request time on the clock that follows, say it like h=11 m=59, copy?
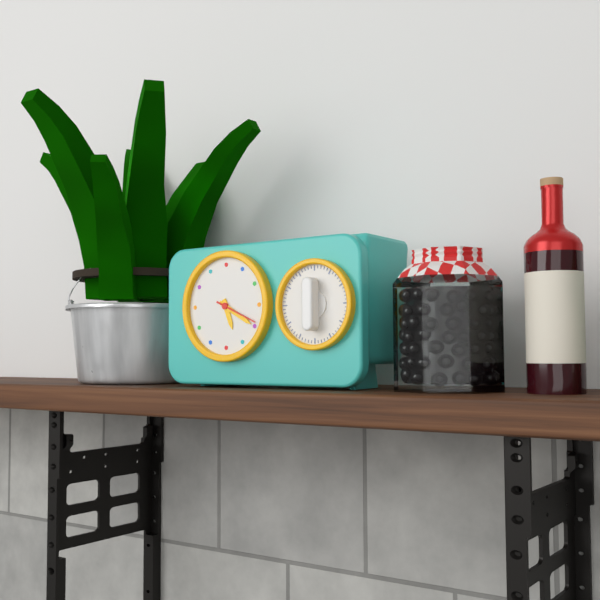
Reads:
h=5 m=20
